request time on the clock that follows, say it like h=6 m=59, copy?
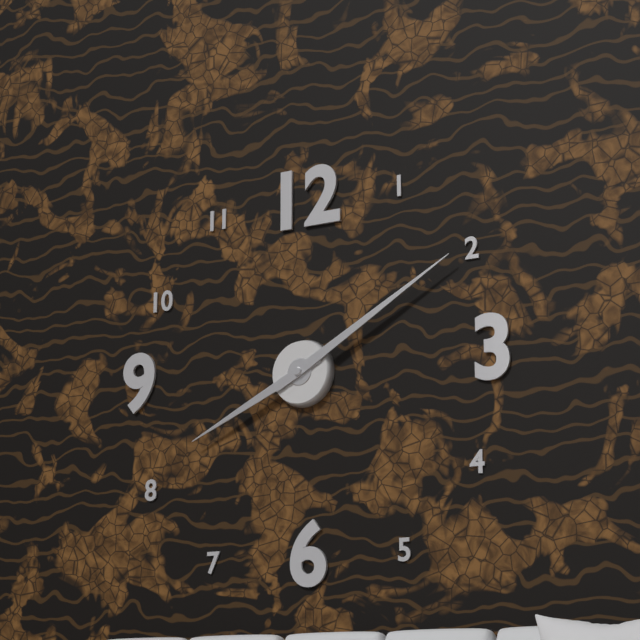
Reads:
h=8 m=10
